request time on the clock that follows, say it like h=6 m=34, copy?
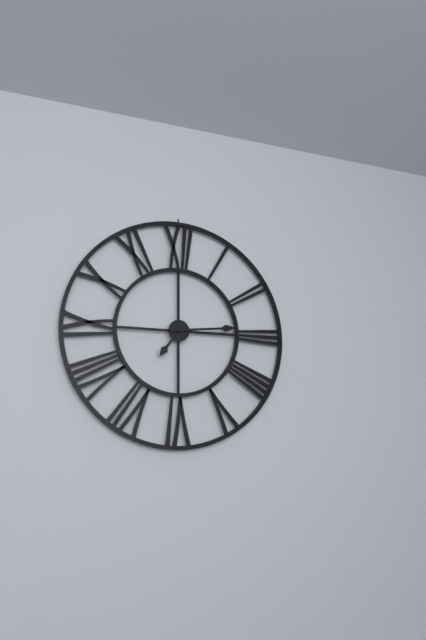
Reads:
h=7 m=14
